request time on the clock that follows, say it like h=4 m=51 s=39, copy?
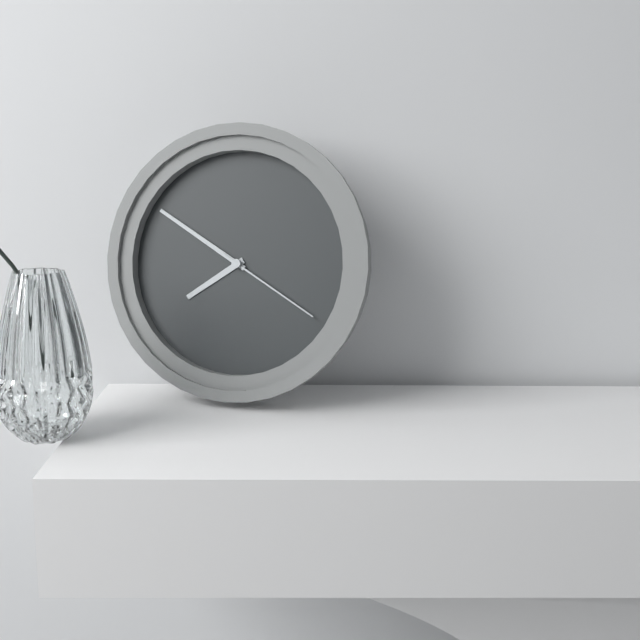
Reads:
h=7 m=50 s=20
